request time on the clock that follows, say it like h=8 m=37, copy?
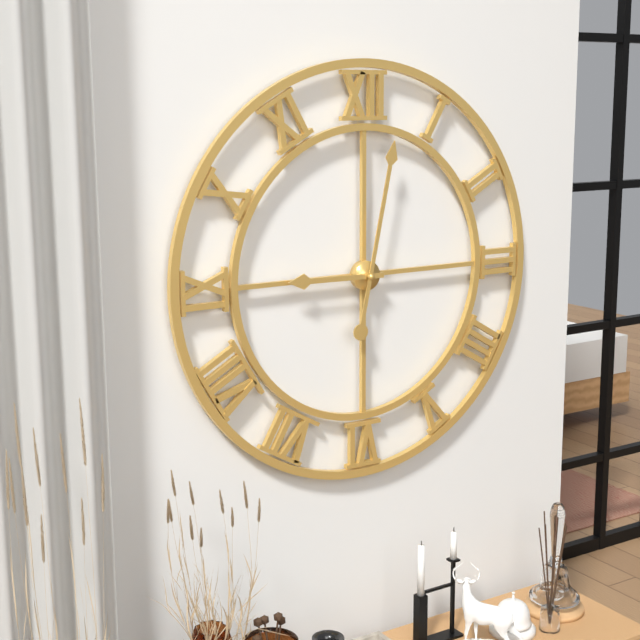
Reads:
h=9 m=2
